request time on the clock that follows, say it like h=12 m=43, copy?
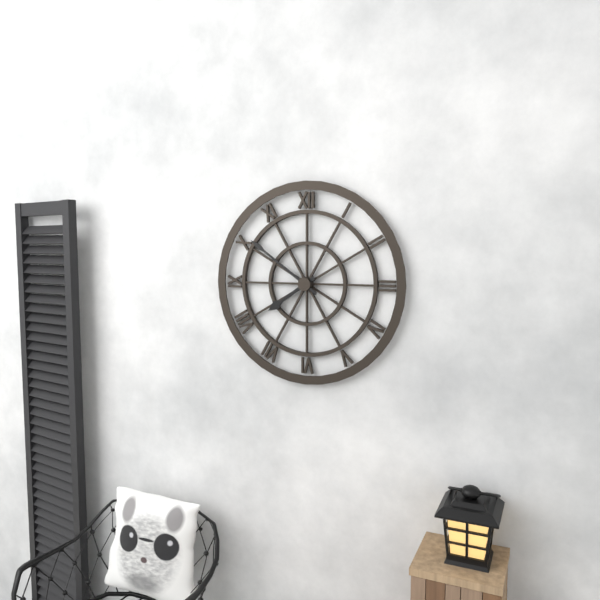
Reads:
h=7 m=51
